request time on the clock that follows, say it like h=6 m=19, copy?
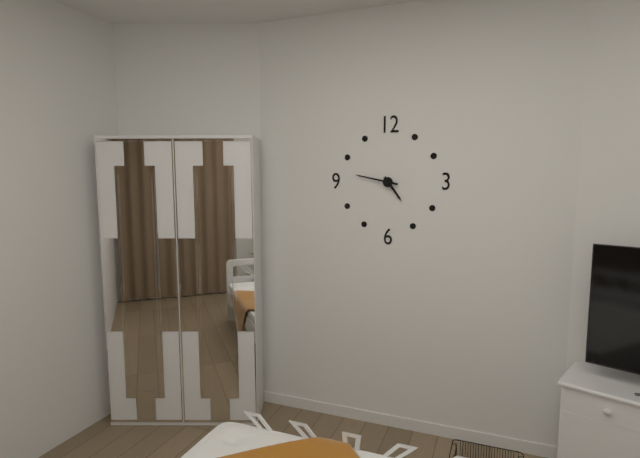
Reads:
h=4 m=47
